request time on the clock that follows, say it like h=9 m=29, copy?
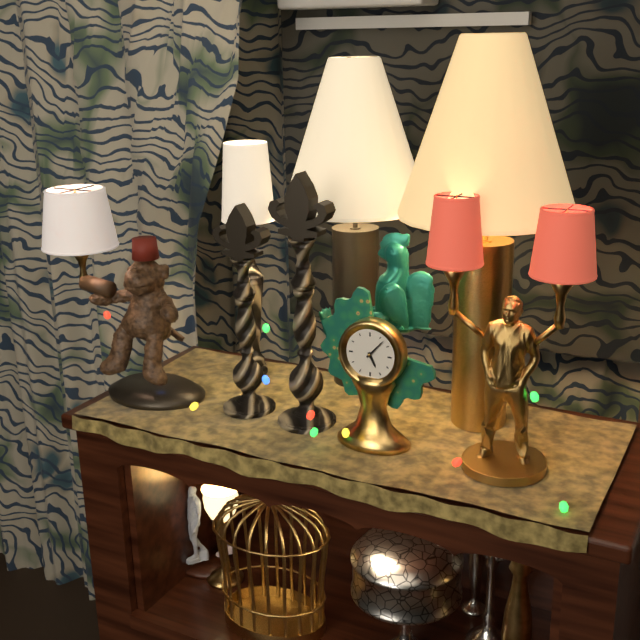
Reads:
h=5 m=7
